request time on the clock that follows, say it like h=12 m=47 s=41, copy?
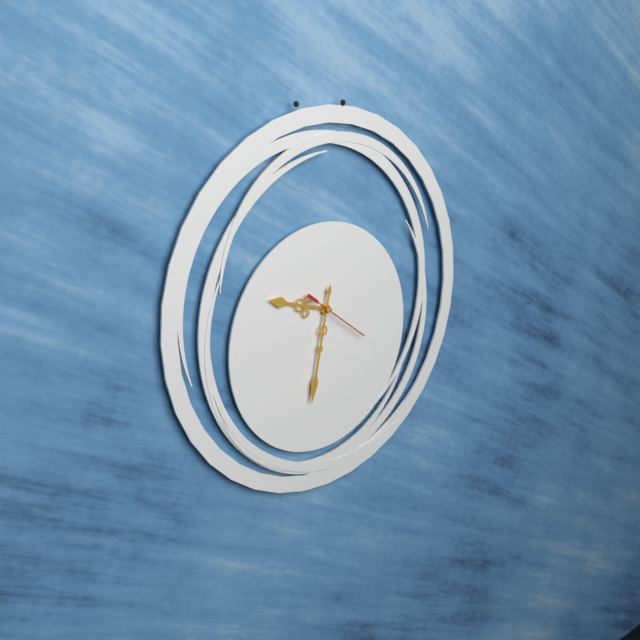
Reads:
h=9 m=32 s=21
